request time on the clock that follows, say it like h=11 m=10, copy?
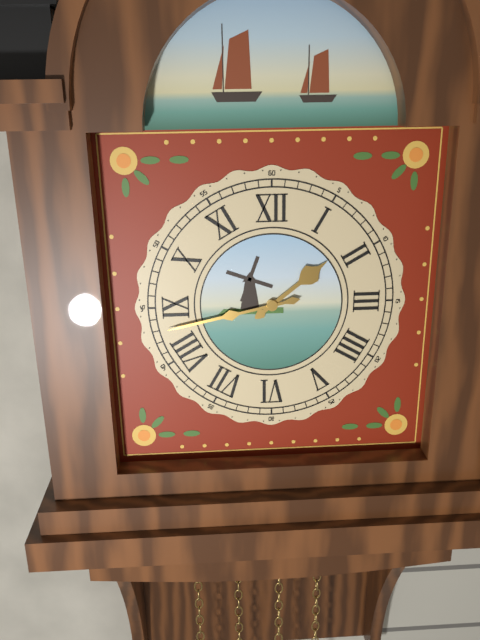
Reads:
h=1 m=43
